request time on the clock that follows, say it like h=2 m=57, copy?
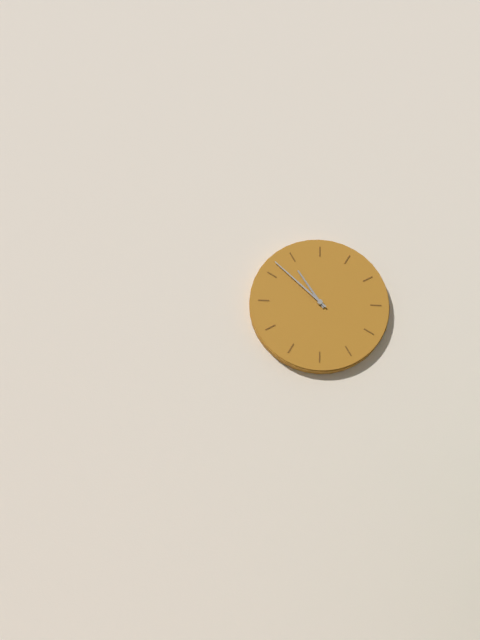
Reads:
h=10 m=52
